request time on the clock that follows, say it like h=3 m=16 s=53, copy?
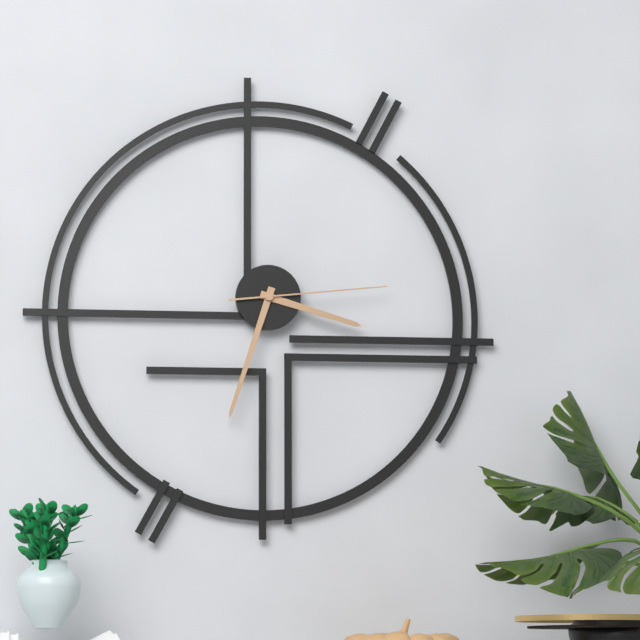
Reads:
h=3 m=33 s=14
